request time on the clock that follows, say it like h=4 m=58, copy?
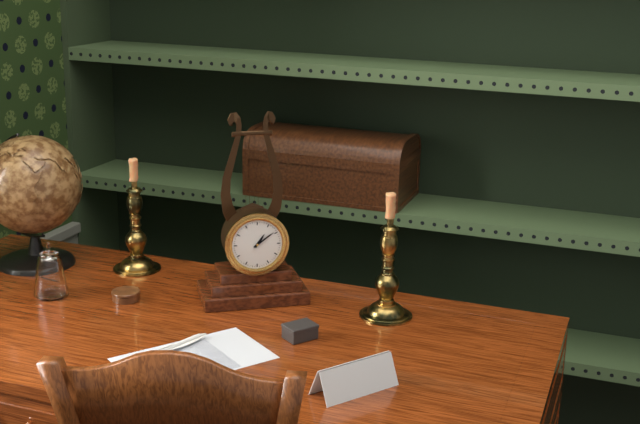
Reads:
h=1 m=9
